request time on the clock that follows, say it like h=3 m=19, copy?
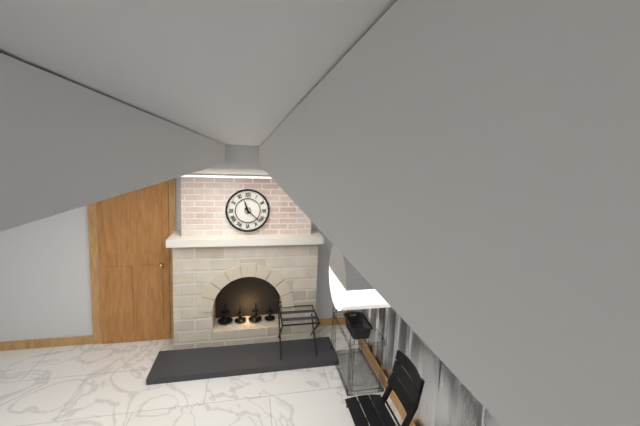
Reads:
h=11 m=22
